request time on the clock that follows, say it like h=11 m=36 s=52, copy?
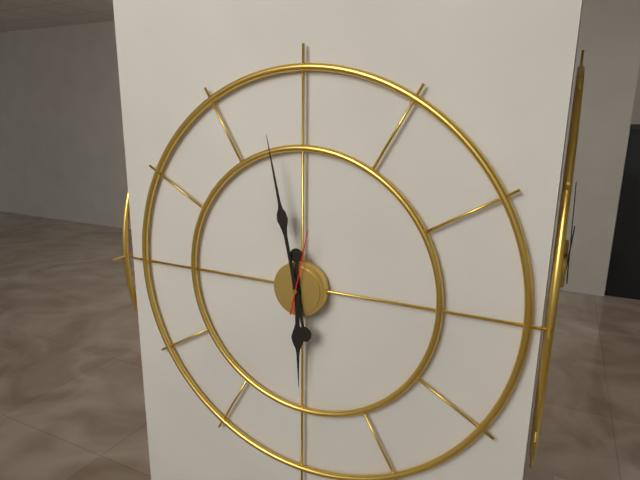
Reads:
h=5 m=58 s=2
